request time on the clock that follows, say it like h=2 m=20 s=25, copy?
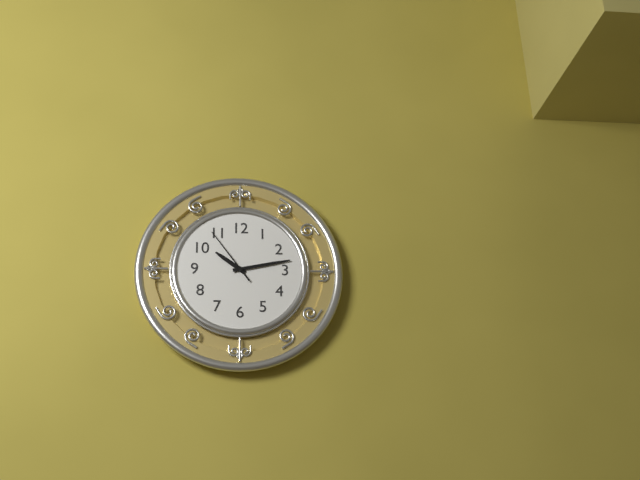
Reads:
h=10 m=13 s=54
